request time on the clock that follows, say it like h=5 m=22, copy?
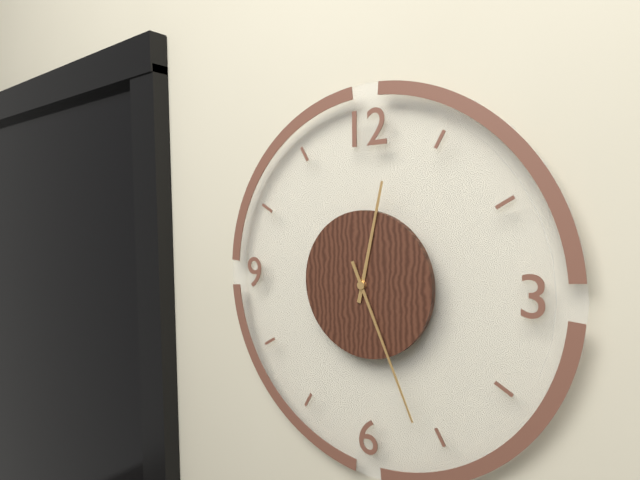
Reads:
h=12 m=26
